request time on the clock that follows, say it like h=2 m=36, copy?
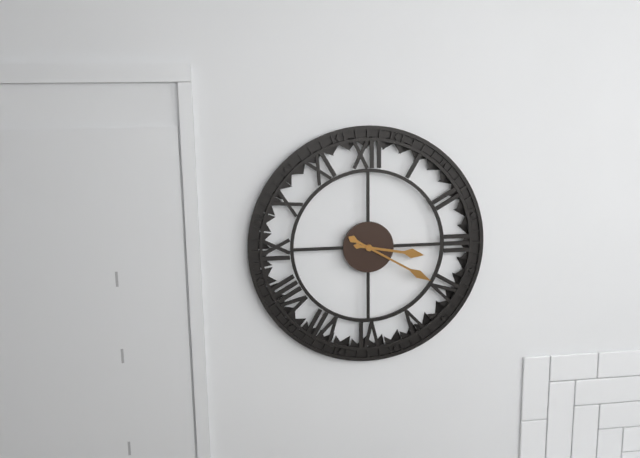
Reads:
h=3 m=20
